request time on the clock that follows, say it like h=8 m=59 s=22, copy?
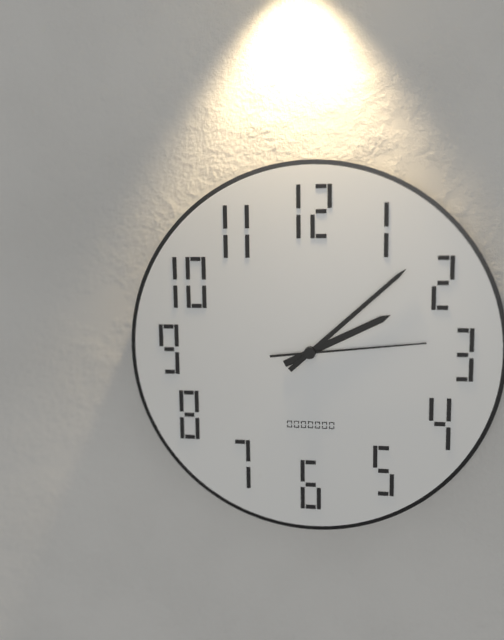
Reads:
h=2 m=8 s=14
